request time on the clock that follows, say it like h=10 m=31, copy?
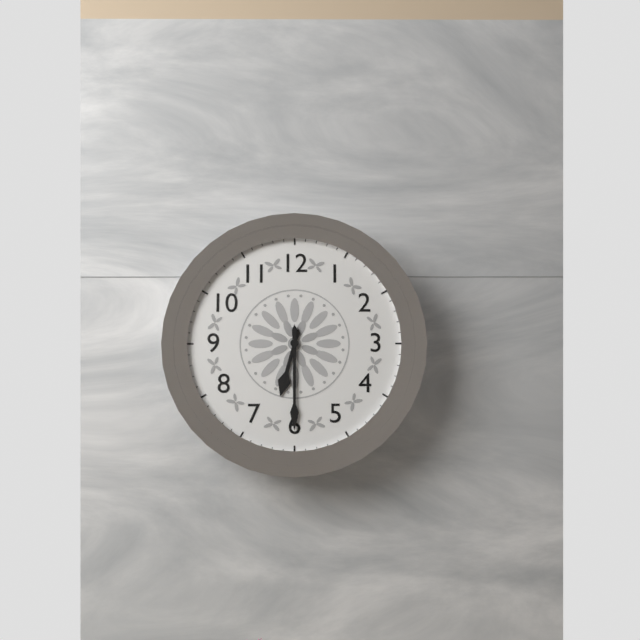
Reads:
h=6 m=30
